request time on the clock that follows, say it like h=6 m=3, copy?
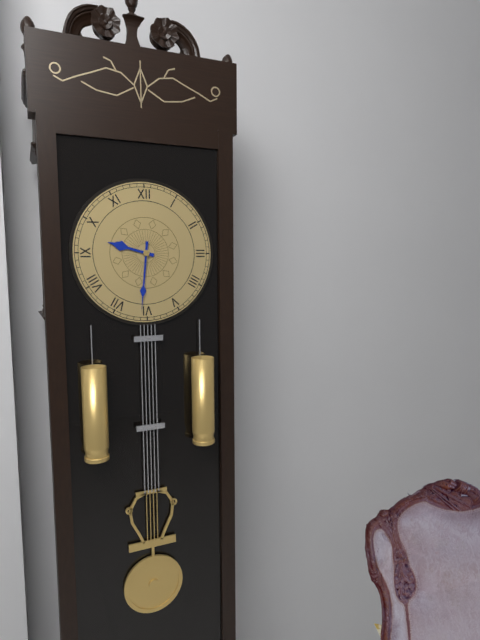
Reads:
h=9 m=31
